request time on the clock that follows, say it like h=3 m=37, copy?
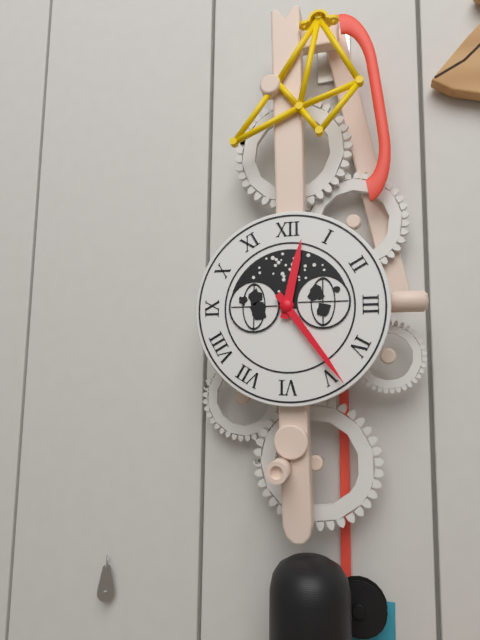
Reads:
h=12 m=24
